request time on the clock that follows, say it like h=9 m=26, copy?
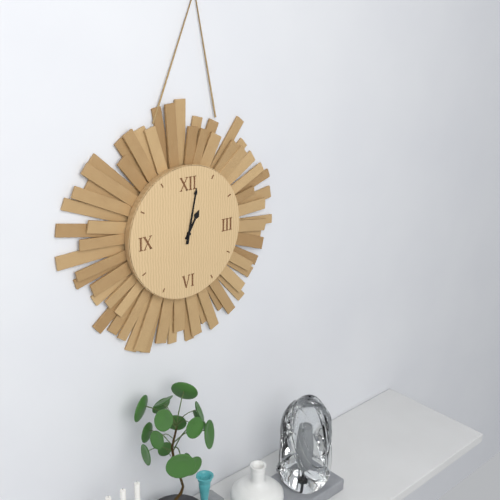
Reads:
h=1 m=2
